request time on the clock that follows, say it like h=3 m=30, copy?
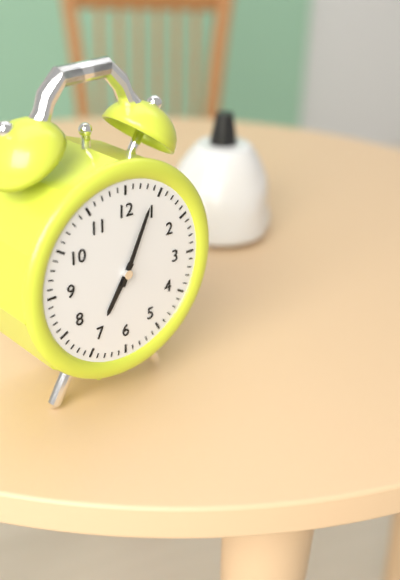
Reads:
h=7 m=4
